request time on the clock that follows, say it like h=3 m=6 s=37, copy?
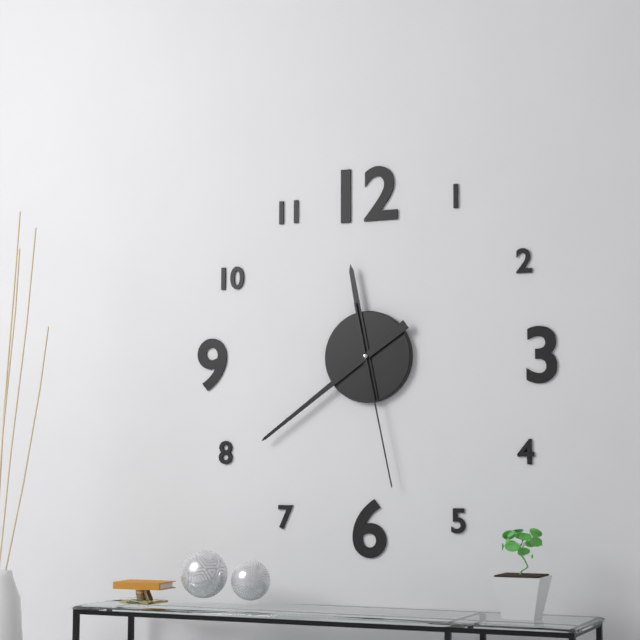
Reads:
h=11 m=39 s=28
